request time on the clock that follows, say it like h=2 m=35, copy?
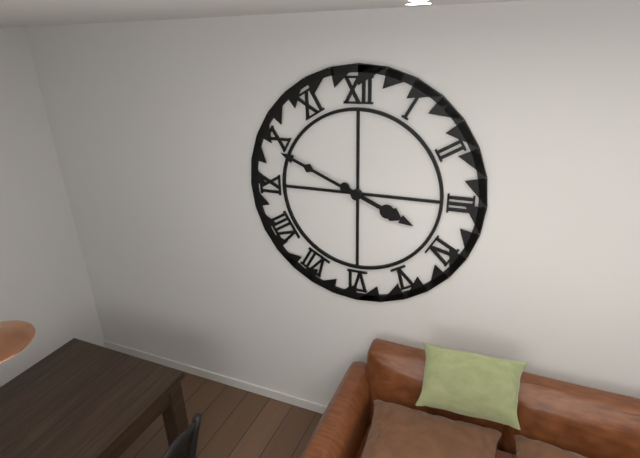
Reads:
h=3 m=49
